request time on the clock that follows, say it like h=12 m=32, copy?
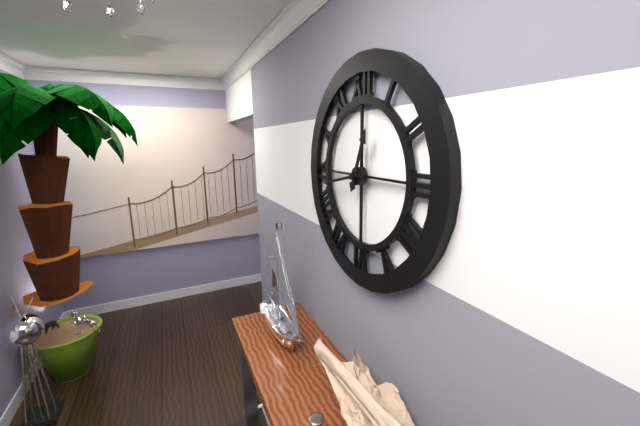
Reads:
h=12 m=43
